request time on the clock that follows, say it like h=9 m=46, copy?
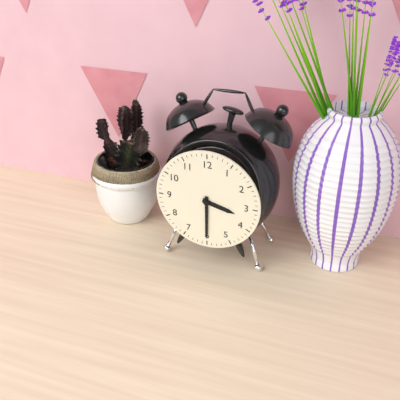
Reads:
h=3 m=30
